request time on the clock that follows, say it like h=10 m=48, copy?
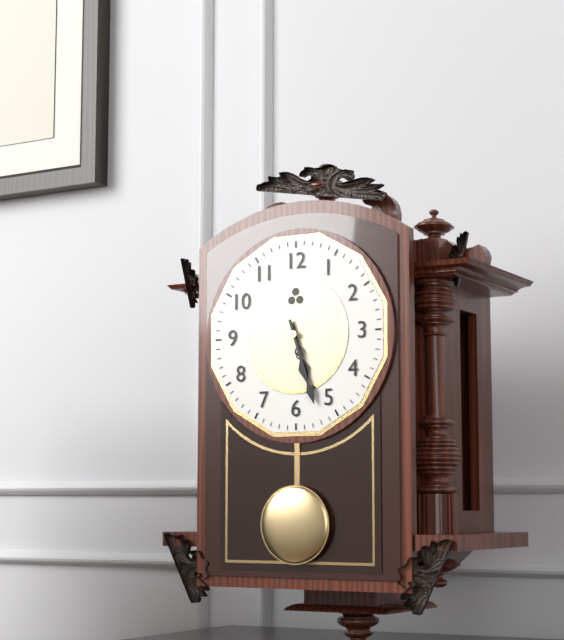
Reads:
h=5 m=27
